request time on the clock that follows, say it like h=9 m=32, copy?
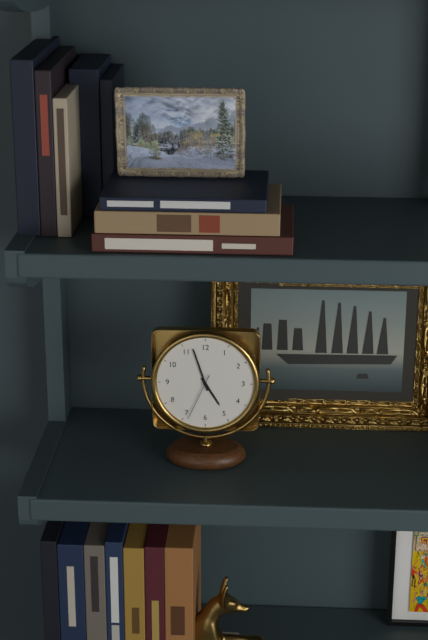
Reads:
h=4 m=57
